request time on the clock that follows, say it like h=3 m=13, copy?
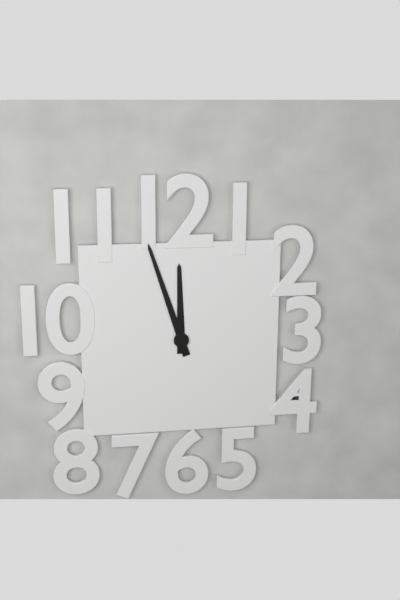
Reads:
h=11 m=57
